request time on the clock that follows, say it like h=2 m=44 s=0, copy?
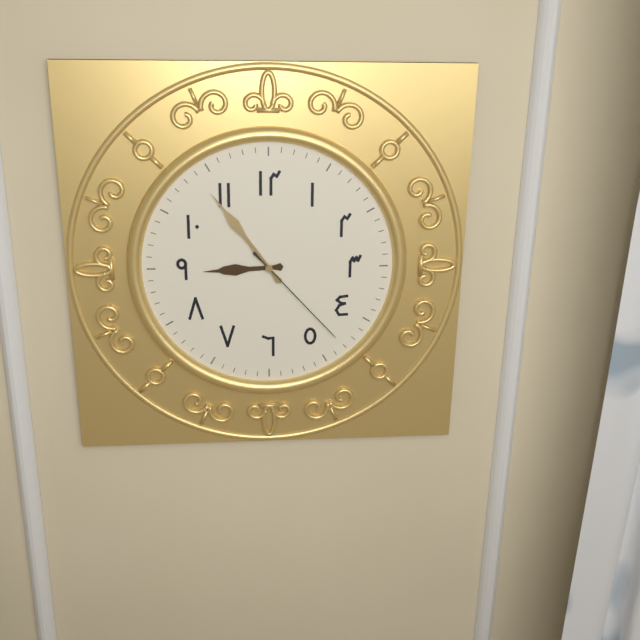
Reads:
h=8 m=54 s=23
